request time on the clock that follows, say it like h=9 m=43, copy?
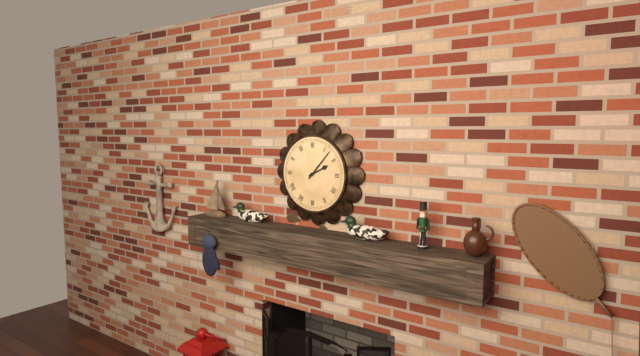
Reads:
h=2 m=7
